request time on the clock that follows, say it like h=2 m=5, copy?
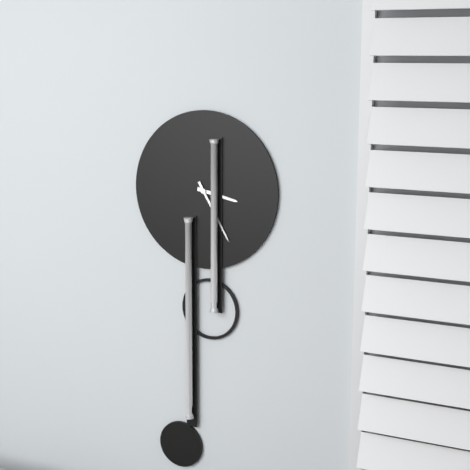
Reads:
h=3 m=25
